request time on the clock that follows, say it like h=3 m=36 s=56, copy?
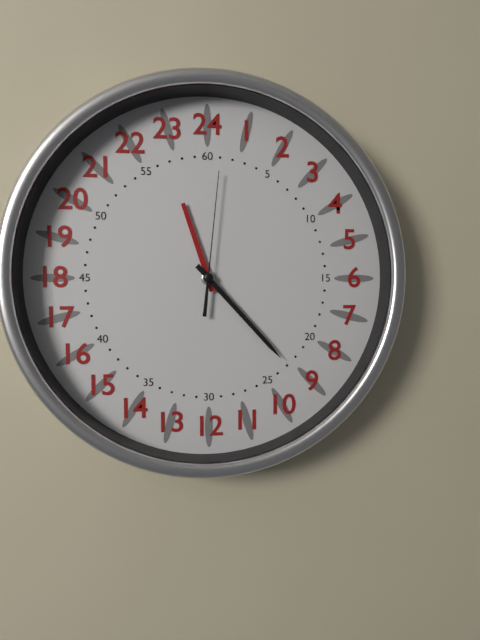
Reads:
h=11 m=23 s=1
